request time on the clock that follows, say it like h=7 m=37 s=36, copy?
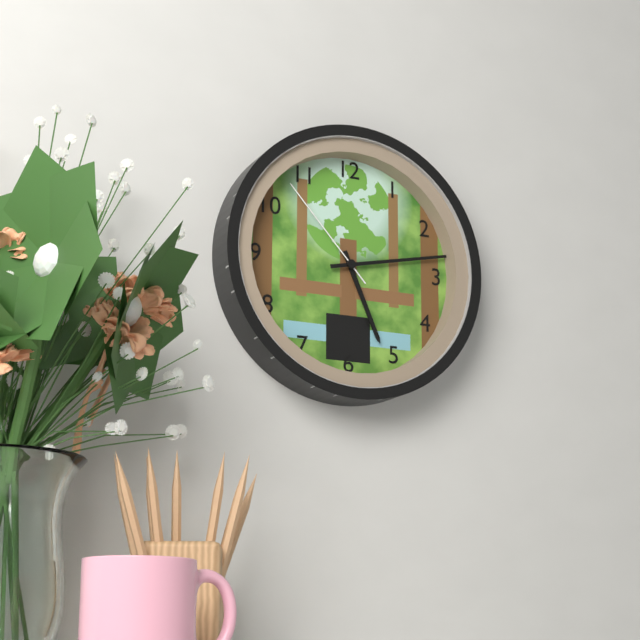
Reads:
h=5 m=13 s=53
